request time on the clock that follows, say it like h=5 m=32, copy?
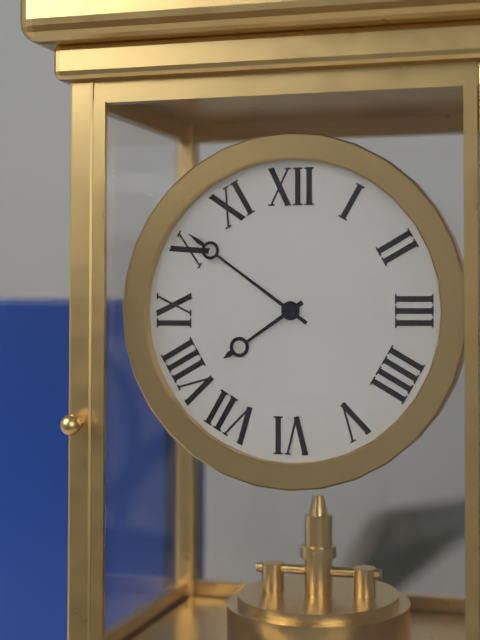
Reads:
h=7 m=51
